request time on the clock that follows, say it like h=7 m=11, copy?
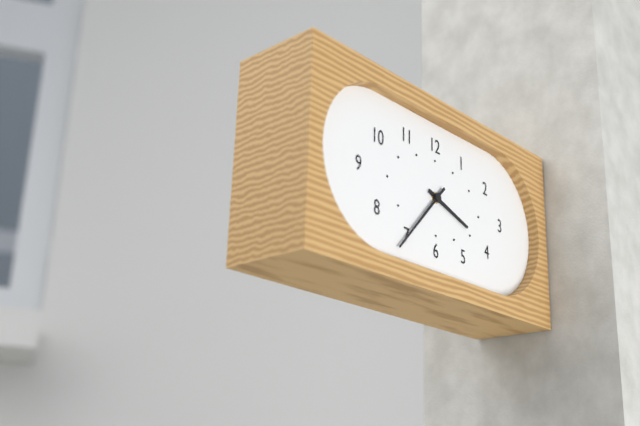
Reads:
h=3 m=37
